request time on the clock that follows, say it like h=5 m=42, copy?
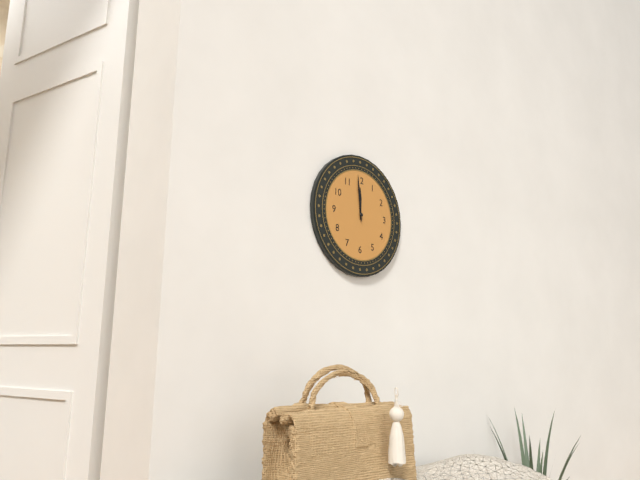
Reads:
h=11 m=59
